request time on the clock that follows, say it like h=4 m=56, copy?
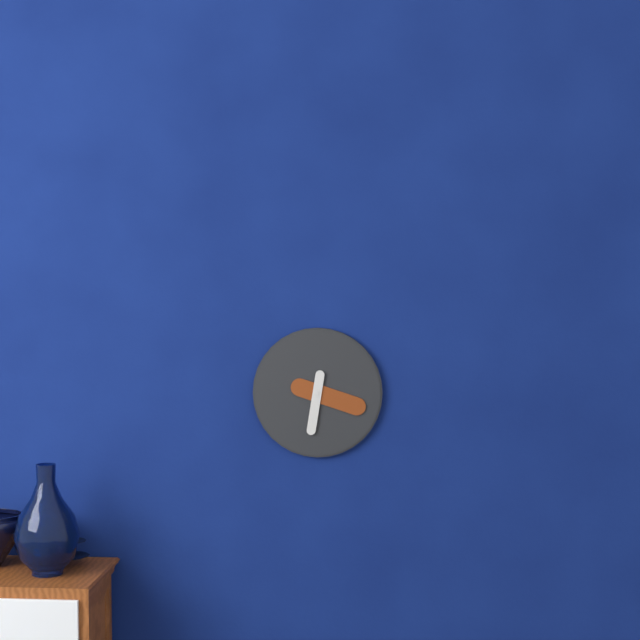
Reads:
h=6 m=18
